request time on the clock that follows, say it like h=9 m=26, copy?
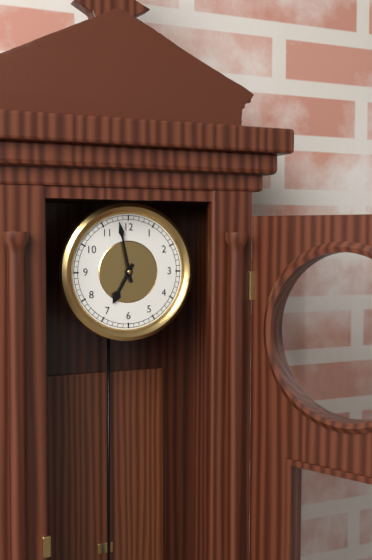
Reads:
h=6 m=58
